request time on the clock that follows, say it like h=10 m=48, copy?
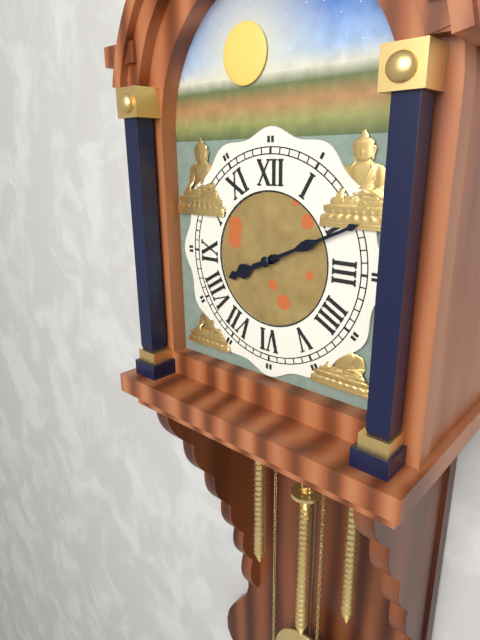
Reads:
h=8 m=11
